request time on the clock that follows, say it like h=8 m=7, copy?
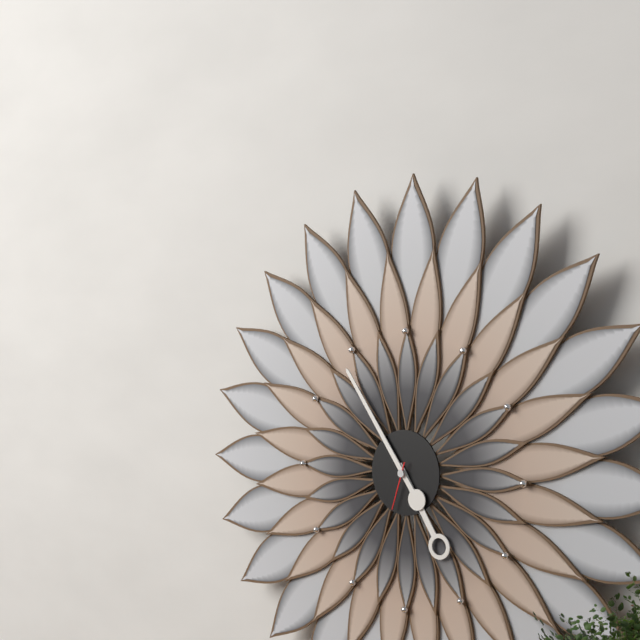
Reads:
h=4 m=54
